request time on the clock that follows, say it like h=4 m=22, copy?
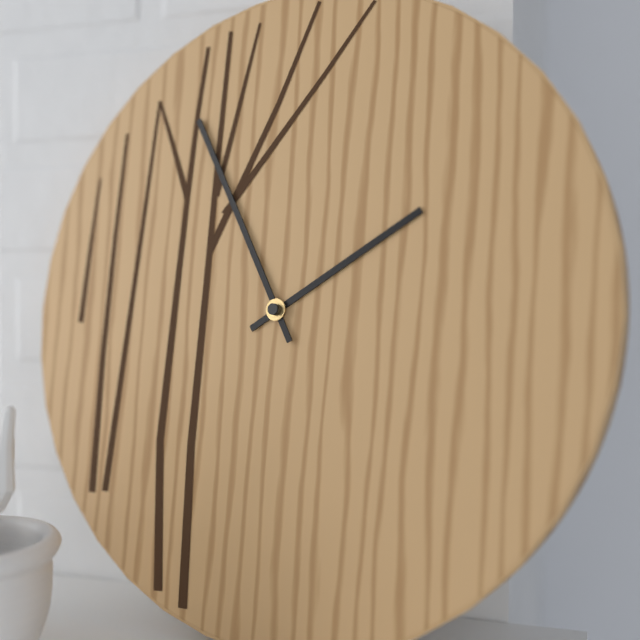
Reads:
h=1 m=55
